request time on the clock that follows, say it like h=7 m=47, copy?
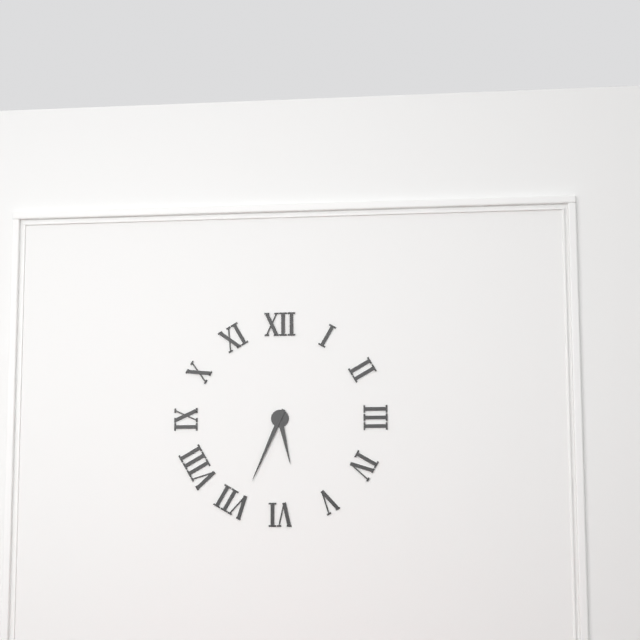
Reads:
h=5 m=34
